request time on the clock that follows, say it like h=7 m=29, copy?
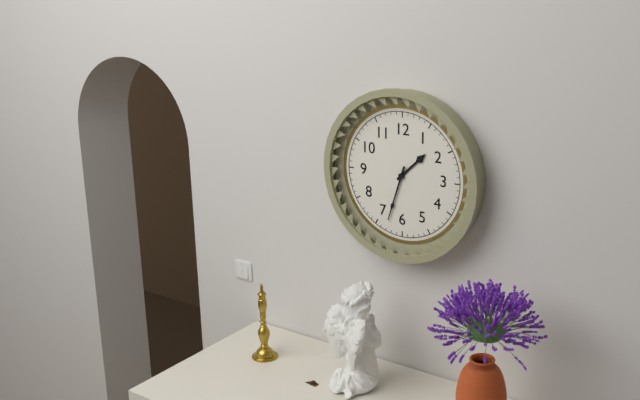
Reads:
h=1 m=33
